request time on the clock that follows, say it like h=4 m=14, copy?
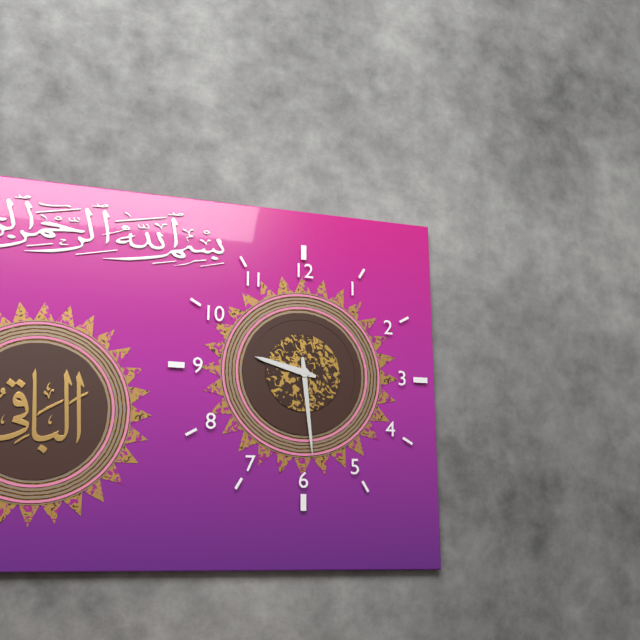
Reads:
h=9 m=29
